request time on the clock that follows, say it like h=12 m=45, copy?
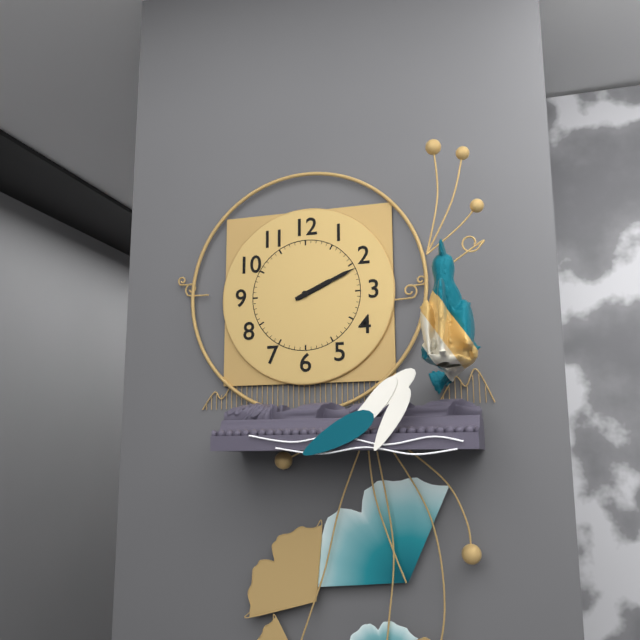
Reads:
h=2 m=11
